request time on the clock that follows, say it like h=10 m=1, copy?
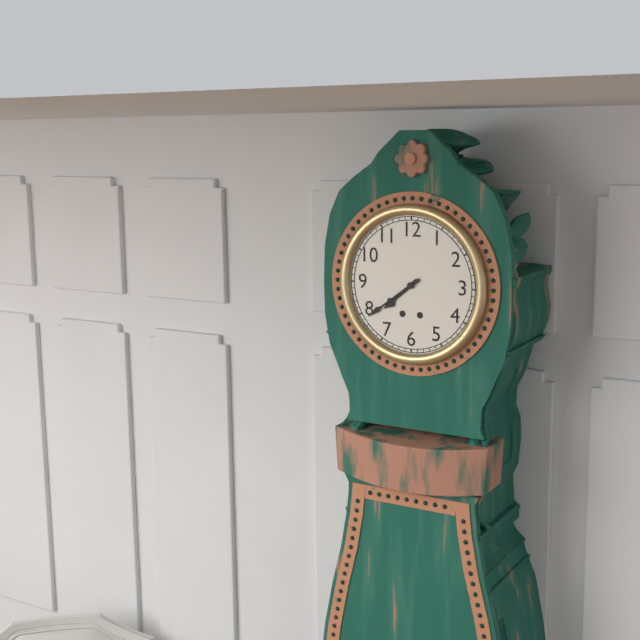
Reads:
h=7 m=39
